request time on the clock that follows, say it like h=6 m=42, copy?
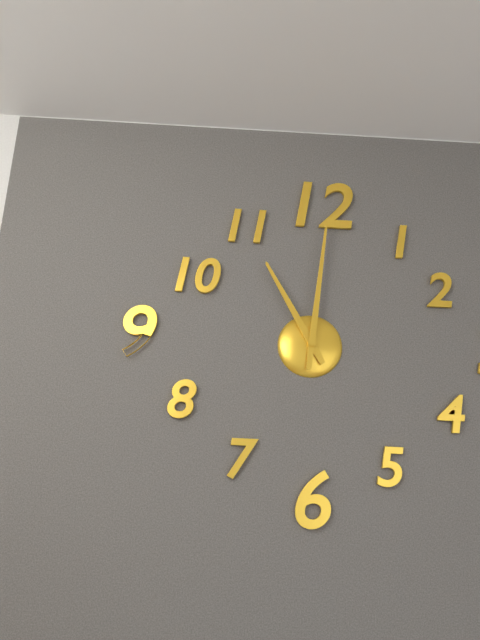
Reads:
h=11 m=1
